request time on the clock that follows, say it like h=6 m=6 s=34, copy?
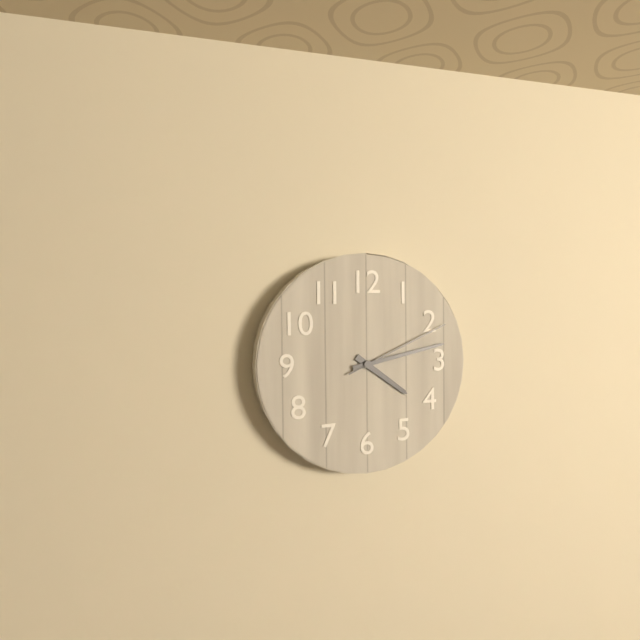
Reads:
h=4 m=13 s=11
